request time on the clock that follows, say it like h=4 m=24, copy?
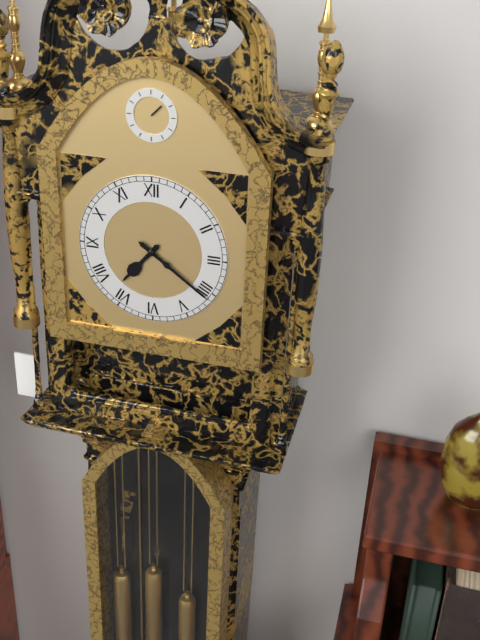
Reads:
h=7 m=21
